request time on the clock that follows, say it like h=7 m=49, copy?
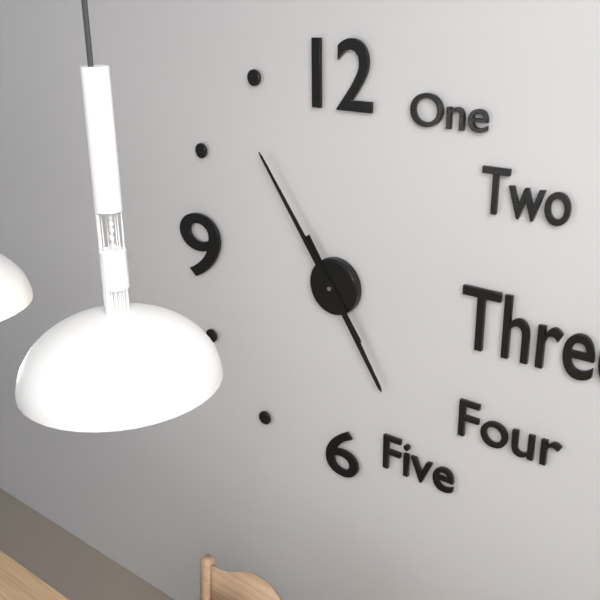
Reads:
h=4 m=54
